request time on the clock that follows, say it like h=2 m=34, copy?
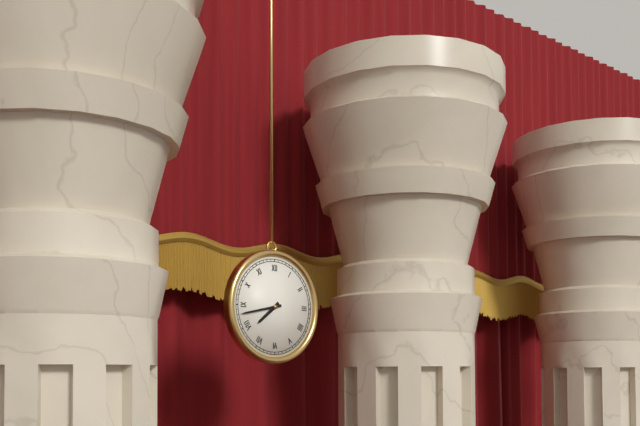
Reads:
h=7 m=43
